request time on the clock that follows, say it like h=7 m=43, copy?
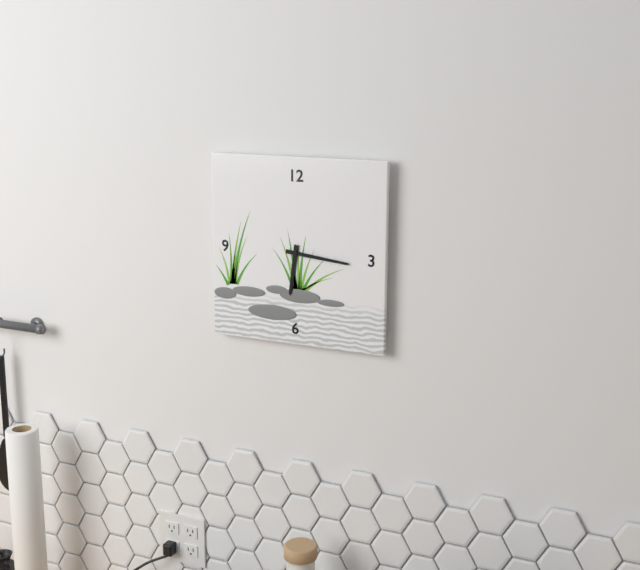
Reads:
h=6 m=16
